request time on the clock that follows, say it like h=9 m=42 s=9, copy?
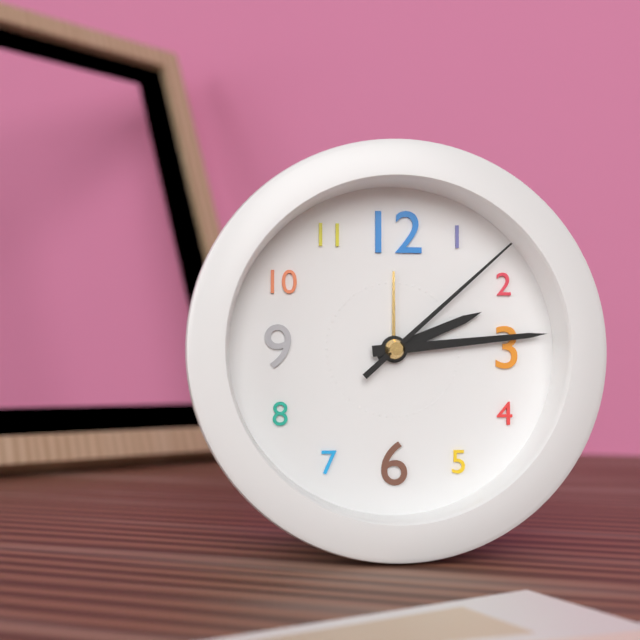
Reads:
h=2 m=14 s=8
